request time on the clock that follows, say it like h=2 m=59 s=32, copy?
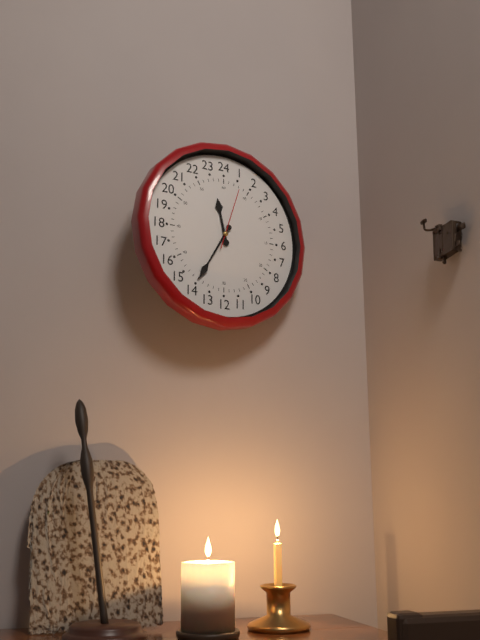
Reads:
h=11 m=35 s=3
